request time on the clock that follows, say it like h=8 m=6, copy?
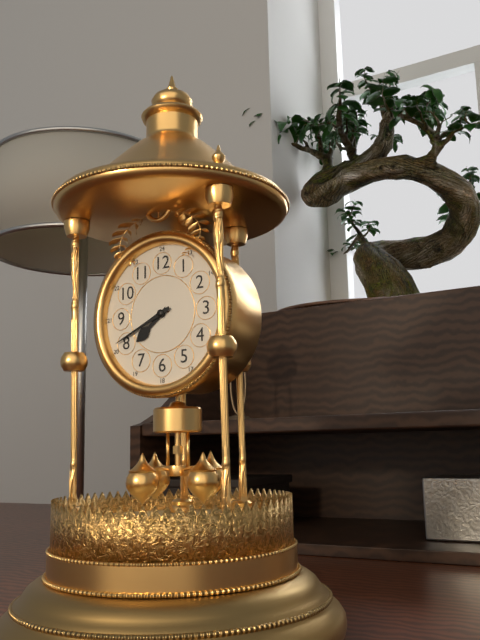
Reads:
h=7 m=41
